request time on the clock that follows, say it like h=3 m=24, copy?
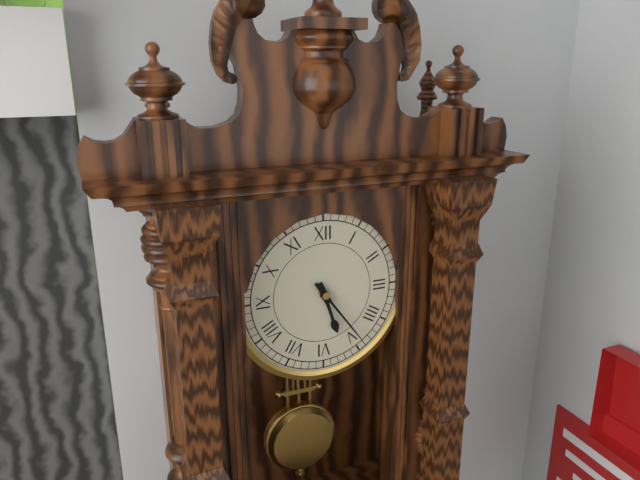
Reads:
h=5 m=24
